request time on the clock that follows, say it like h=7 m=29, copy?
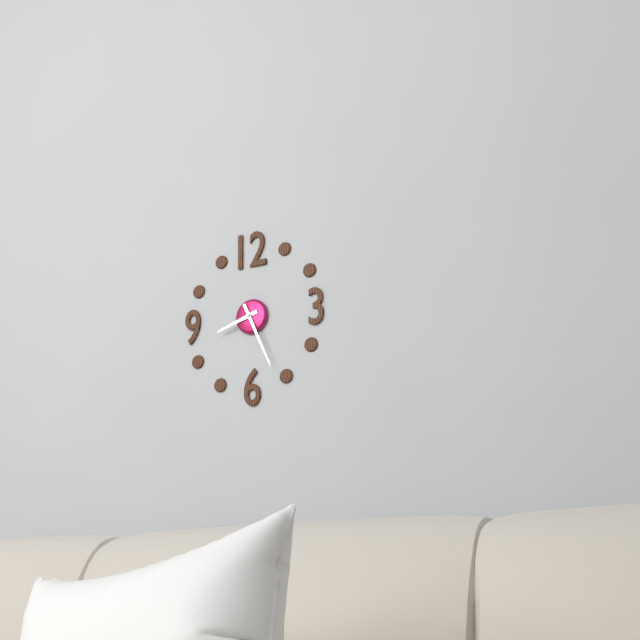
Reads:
h=8 m=26
